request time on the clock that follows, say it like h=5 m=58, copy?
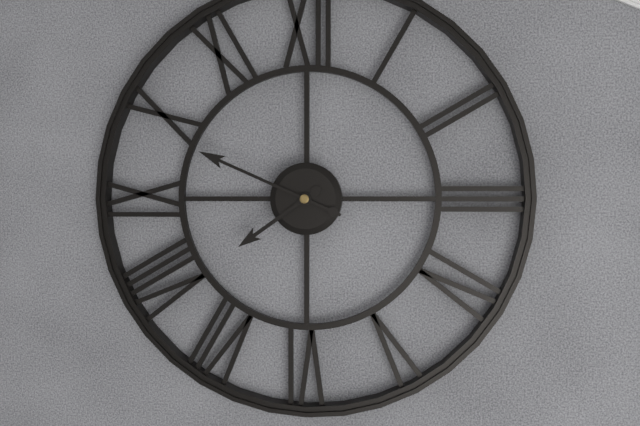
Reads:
h=7 m=49
